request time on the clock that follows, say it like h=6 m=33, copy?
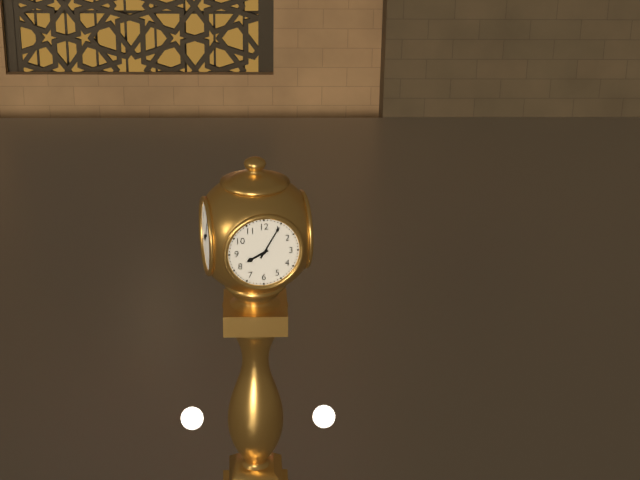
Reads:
h=8 m=5
